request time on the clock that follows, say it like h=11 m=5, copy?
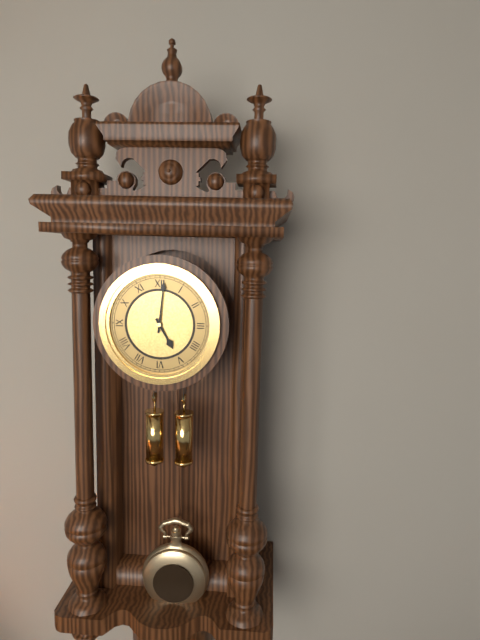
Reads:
h=5 m=1
